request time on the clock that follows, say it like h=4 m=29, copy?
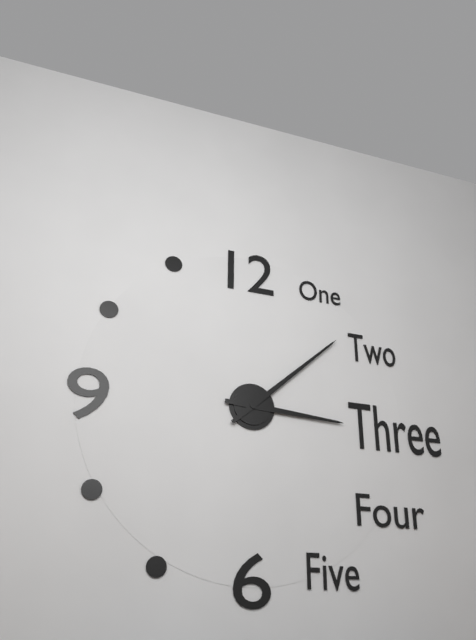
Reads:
h=3 m=8
